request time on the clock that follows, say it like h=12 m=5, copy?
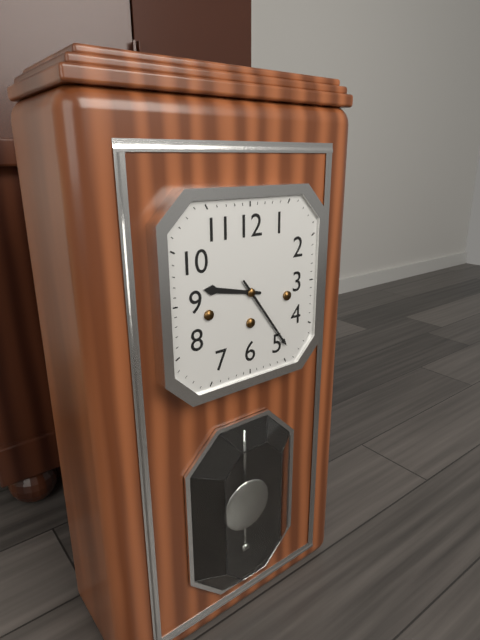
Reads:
h=9 m=24
